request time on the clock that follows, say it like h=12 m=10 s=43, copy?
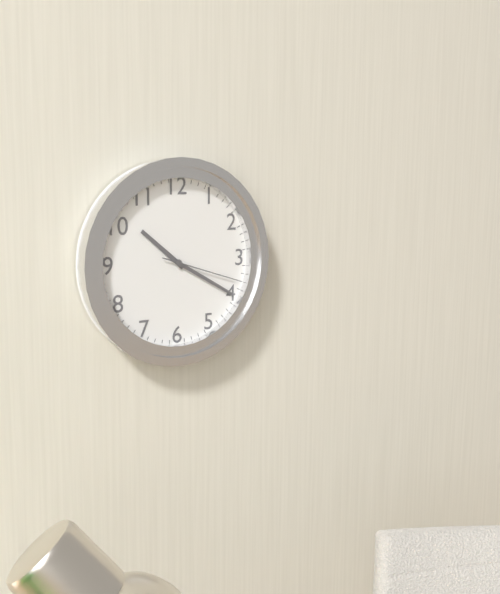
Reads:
h=10 m=20 s=18
